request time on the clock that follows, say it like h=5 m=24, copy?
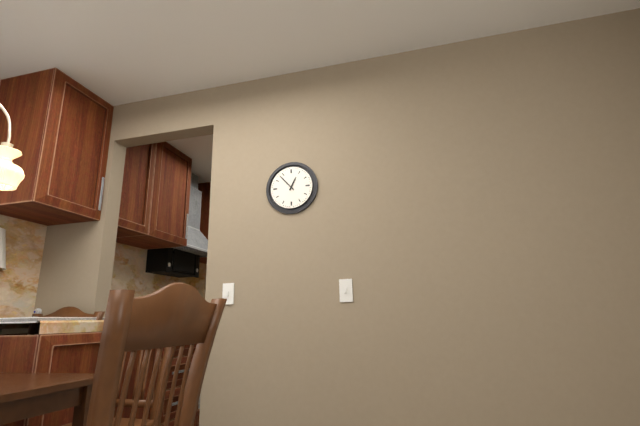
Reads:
h=12 m=53
